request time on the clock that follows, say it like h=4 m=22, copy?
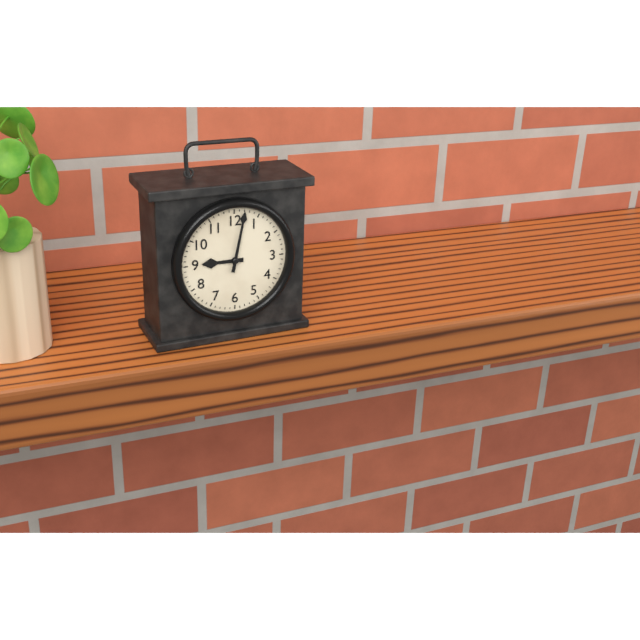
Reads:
h=9 m=2
